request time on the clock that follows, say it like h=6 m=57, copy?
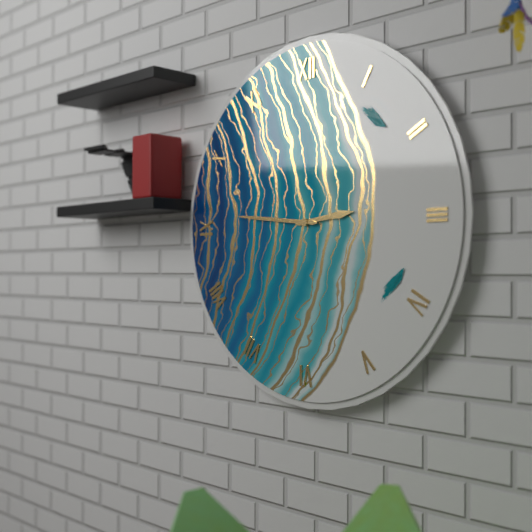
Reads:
h=2 m=46
